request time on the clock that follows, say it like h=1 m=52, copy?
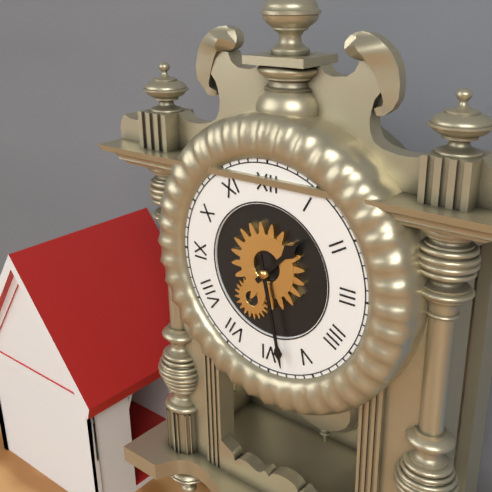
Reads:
h=1 m=28
